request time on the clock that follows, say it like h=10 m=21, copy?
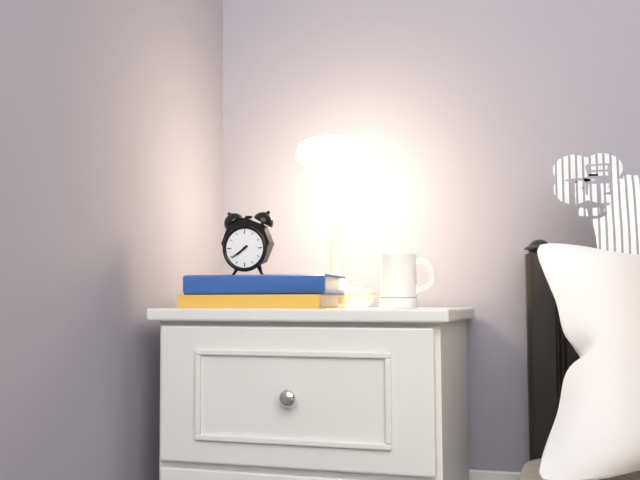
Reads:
h=7 m=39
